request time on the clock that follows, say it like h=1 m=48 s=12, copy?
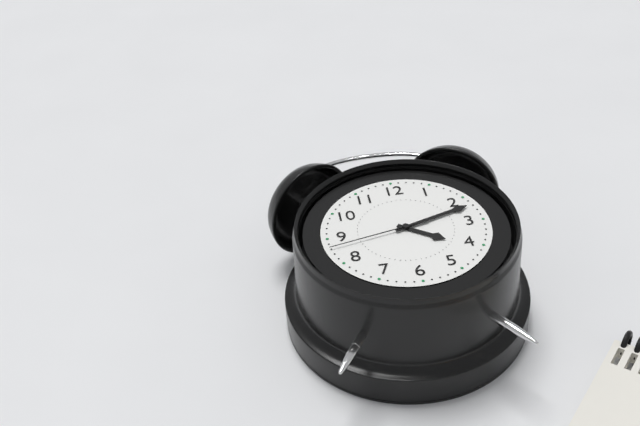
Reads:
h=4 m=12 s=43
